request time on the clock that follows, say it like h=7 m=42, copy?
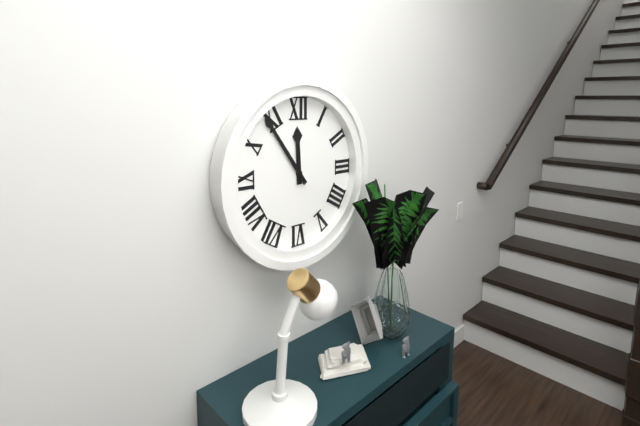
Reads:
h=11 m=54
